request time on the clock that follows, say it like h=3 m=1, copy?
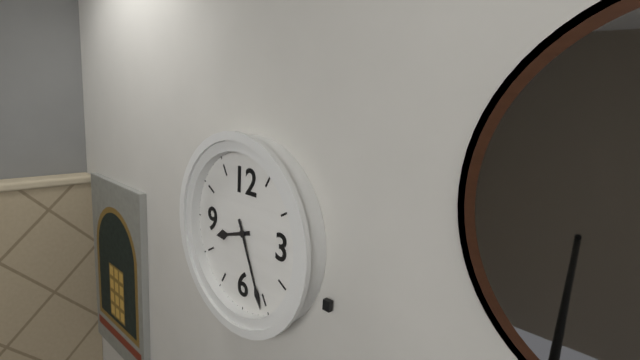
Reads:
h=8 m=26
